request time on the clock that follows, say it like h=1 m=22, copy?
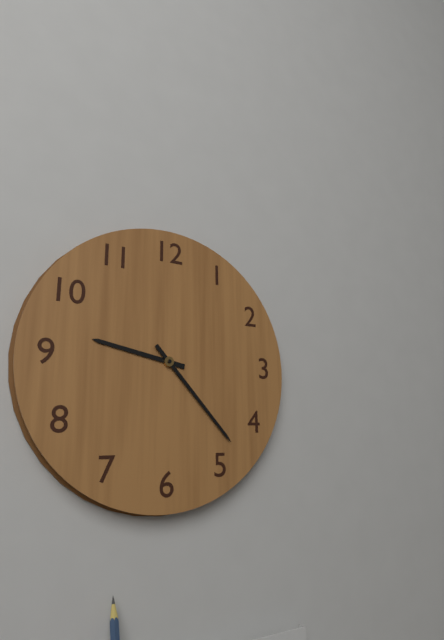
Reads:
h=9 m=23
